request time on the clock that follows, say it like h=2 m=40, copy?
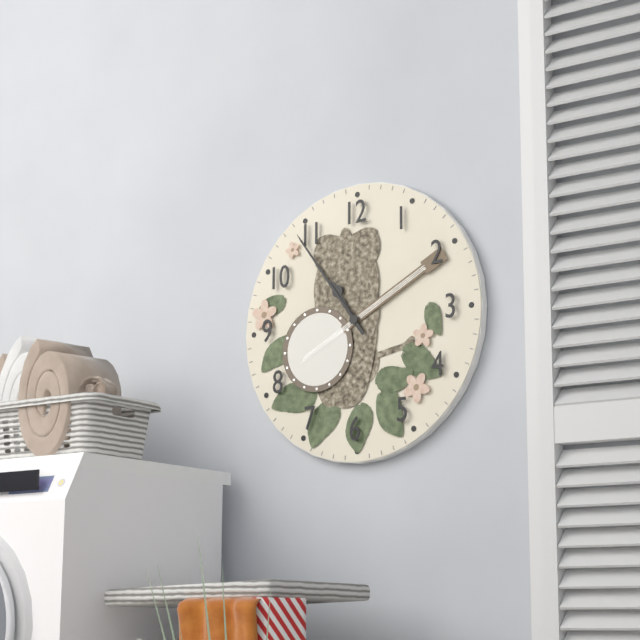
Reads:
h=10 m=54
